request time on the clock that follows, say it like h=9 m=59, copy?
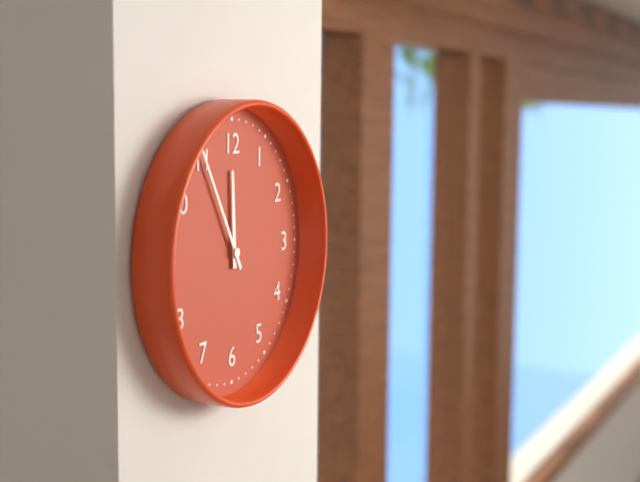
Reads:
h=11 m=55
